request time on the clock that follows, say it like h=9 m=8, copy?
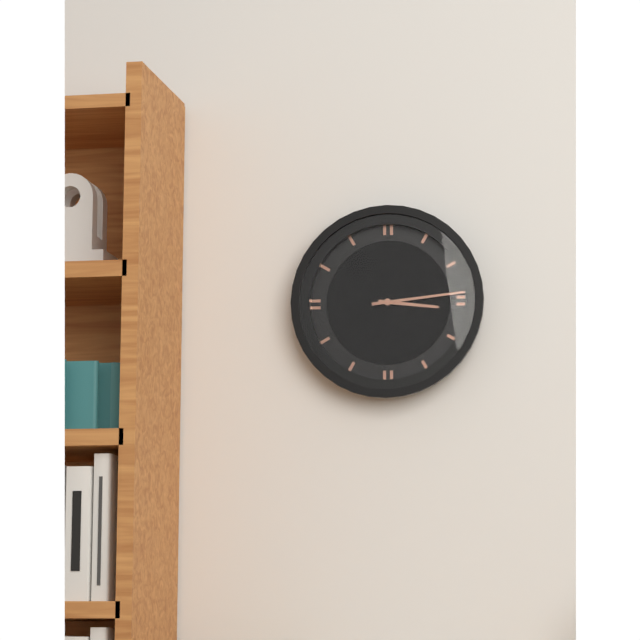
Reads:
h=3 m=14
